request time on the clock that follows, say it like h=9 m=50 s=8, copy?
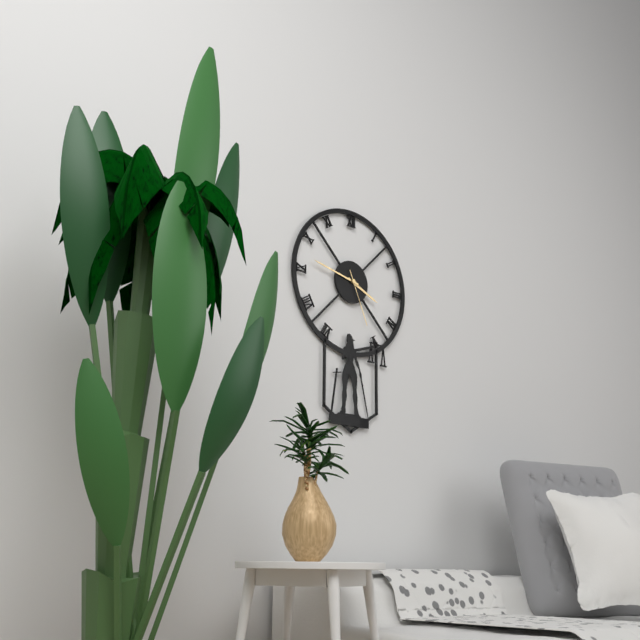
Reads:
h=3 m=47 s=26
